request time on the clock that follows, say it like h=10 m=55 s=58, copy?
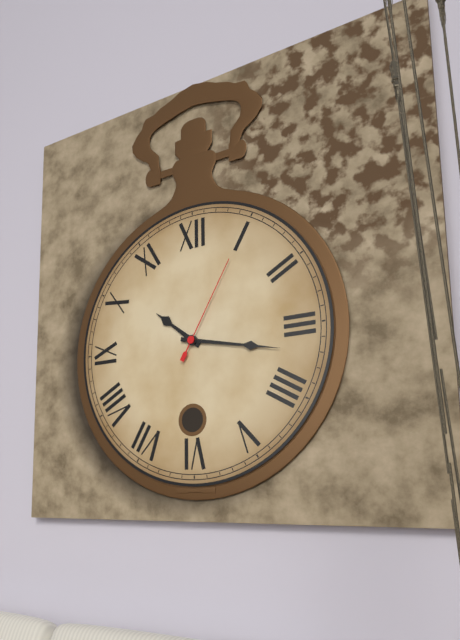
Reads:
h=10 m=17 s=5
